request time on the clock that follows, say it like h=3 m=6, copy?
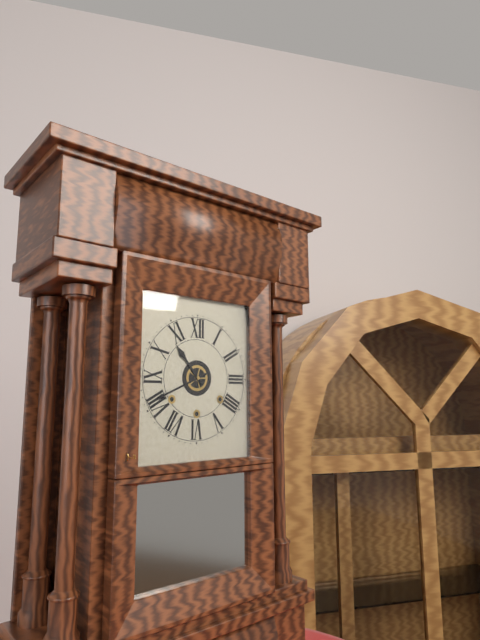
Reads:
h=10 m=41
